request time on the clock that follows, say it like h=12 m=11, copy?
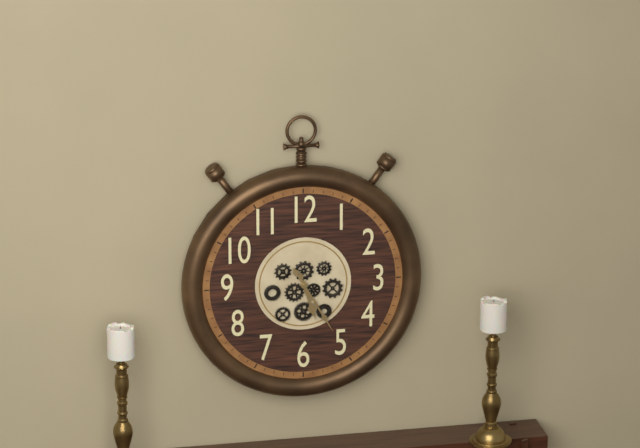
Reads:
h=5 m=25
